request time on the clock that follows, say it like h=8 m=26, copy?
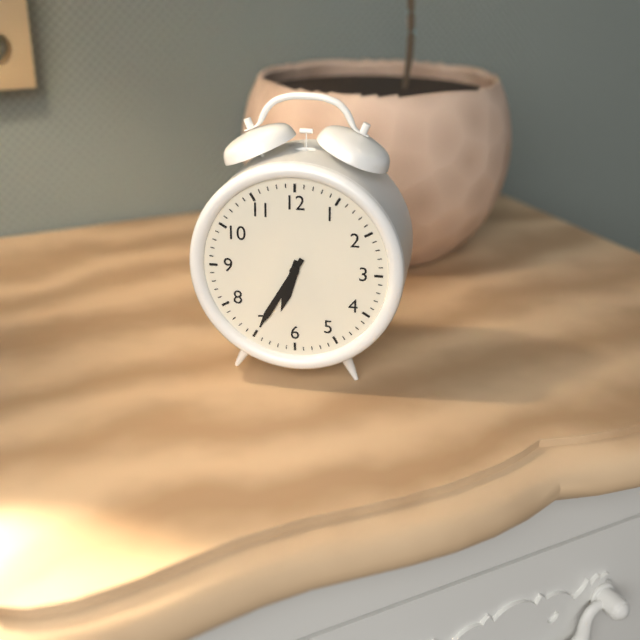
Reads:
h=6 m=35
